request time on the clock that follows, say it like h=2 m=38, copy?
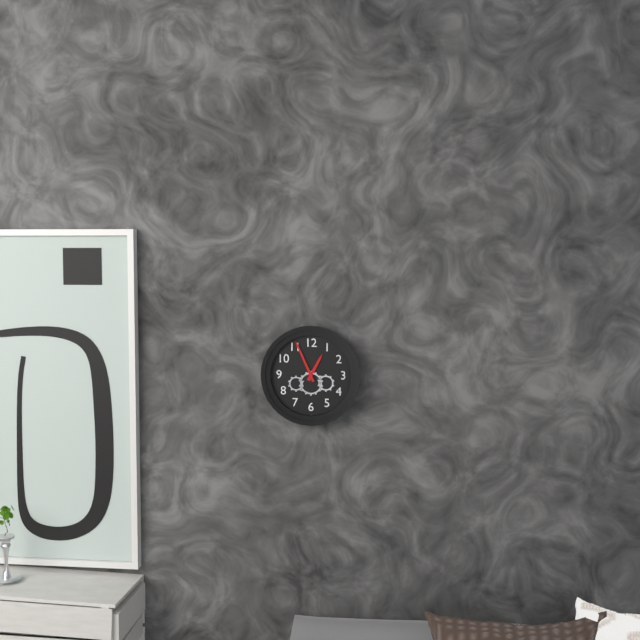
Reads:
h=12 m=56
